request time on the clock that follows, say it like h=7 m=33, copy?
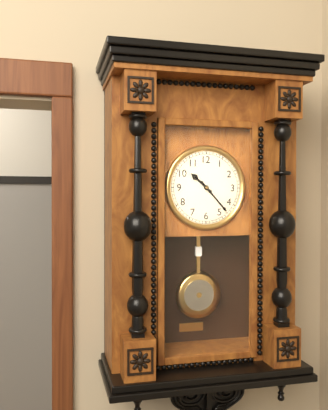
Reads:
h=10 m=23
